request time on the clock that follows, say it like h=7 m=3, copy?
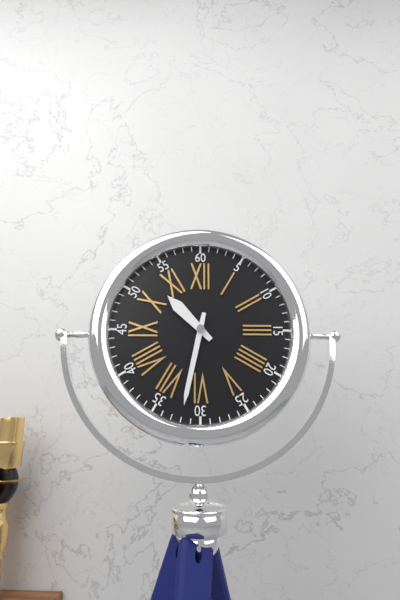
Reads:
h=10 m=32
